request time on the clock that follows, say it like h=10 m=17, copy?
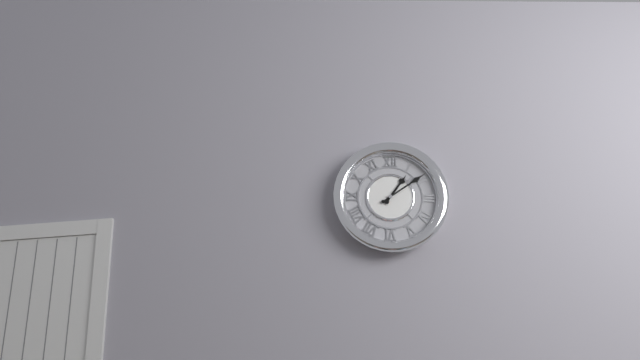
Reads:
h=1 m=9
